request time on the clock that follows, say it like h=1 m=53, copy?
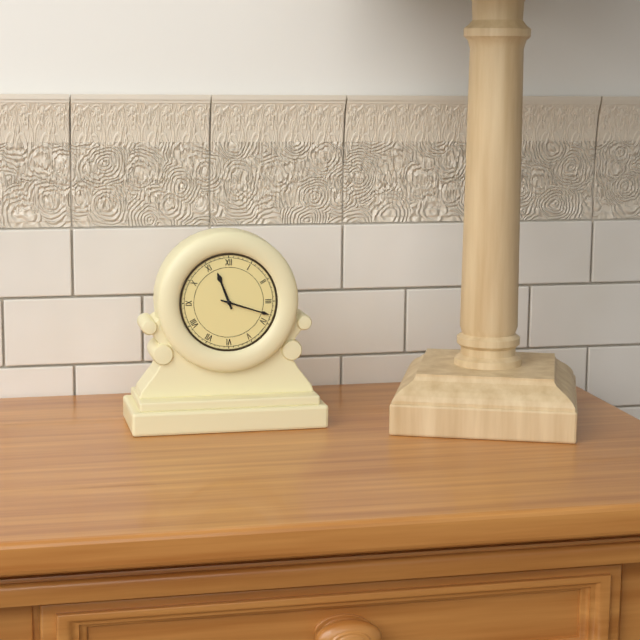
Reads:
h=11 m=18
